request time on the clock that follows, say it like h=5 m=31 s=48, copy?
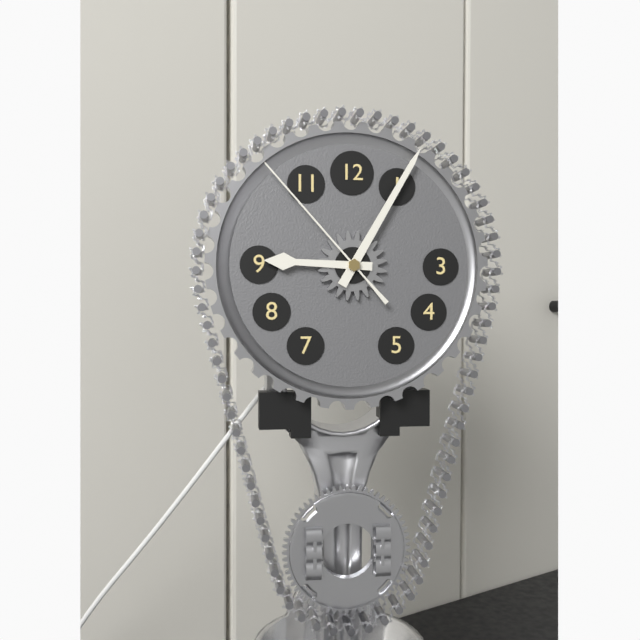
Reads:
h=9 m=5 s=53
